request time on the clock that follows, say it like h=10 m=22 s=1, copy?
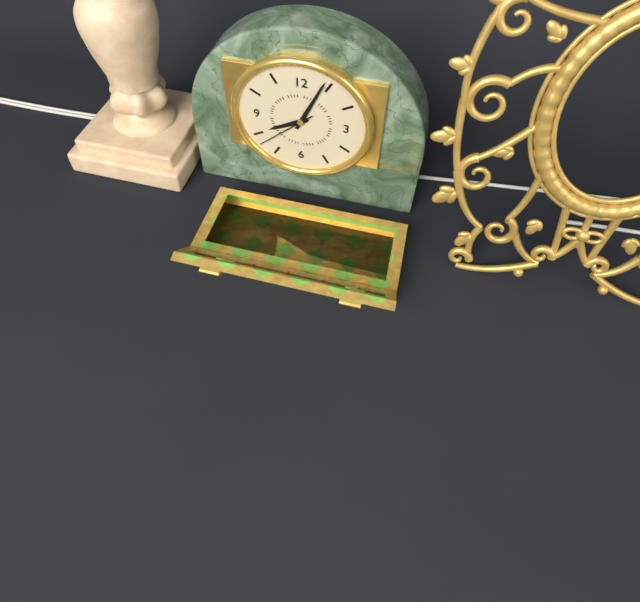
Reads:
h=8 m=4 s=38
